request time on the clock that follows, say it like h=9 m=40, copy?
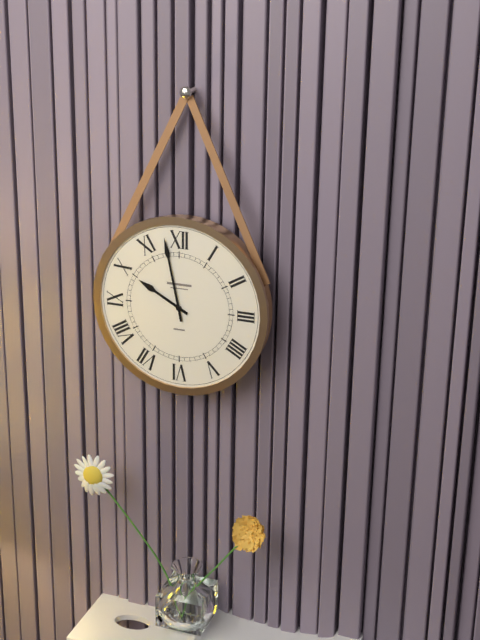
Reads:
h=9 m=58
